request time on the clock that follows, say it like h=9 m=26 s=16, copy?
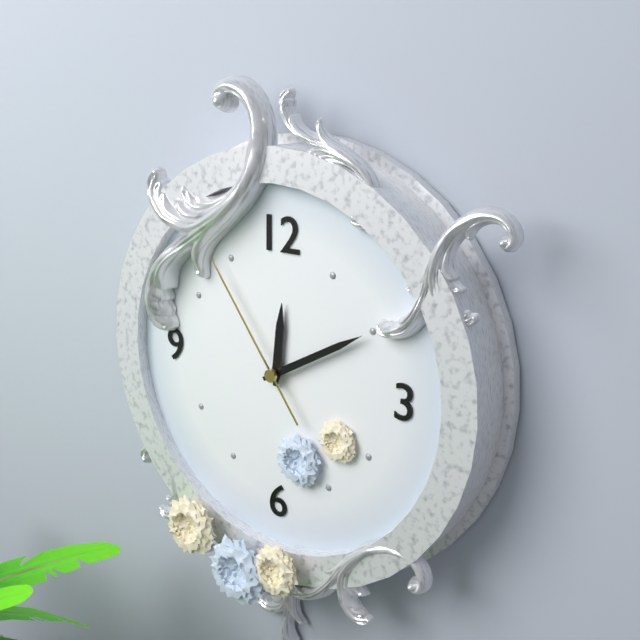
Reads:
h=12 m=10 s=54
